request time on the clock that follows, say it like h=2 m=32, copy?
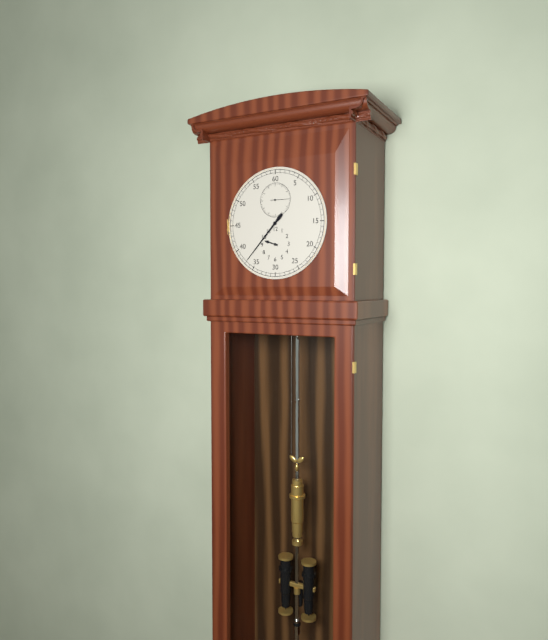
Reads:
h=9 m=37
